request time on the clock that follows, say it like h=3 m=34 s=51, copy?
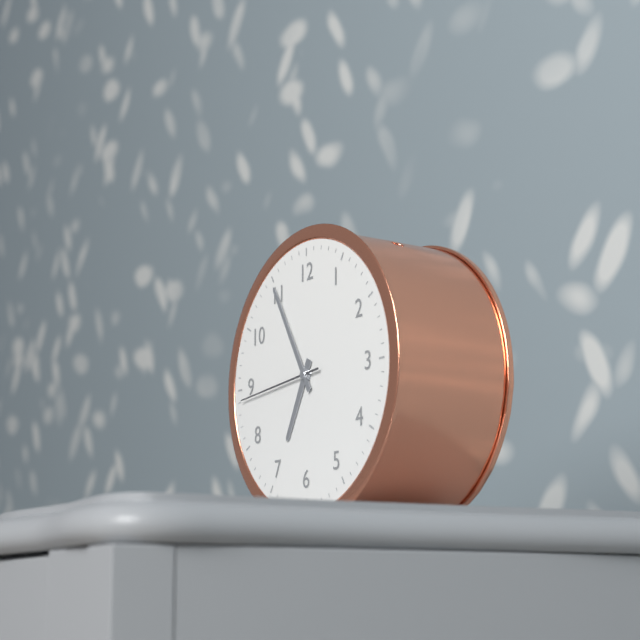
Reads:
h=6 m=55 s=44
